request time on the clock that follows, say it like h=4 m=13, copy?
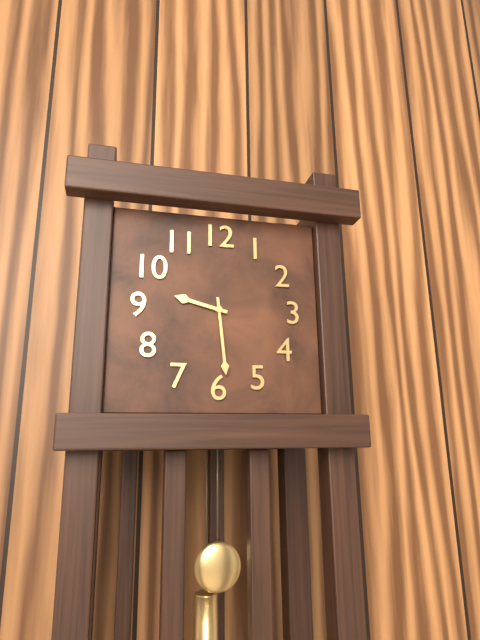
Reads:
h=9 m=29
